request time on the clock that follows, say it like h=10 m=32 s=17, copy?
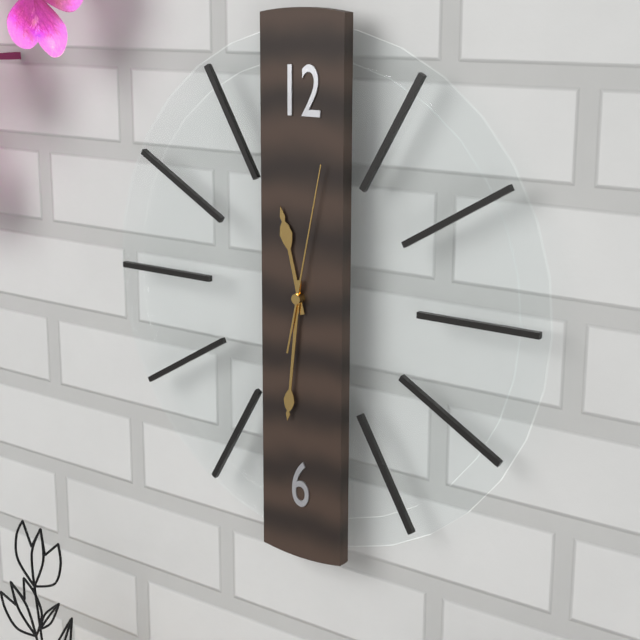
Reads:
h=11 m=31 s=2
